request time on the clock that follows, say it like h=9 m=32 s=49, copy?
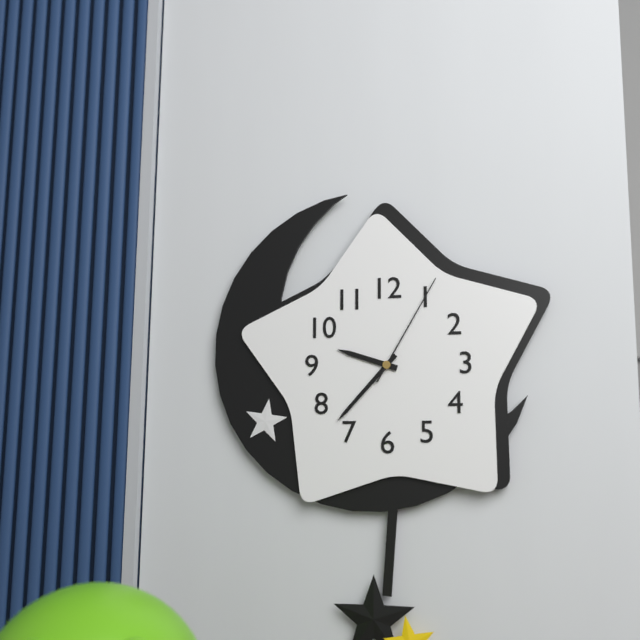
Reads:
h=9 m=37 s=5
